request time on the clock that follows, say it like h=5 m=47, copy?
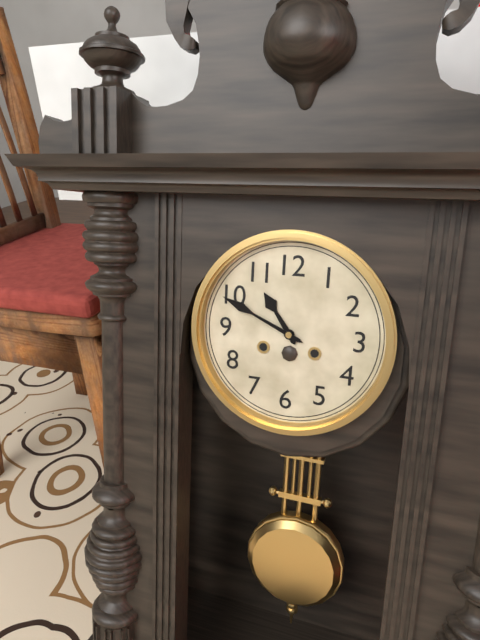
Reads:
h=10 m=49
